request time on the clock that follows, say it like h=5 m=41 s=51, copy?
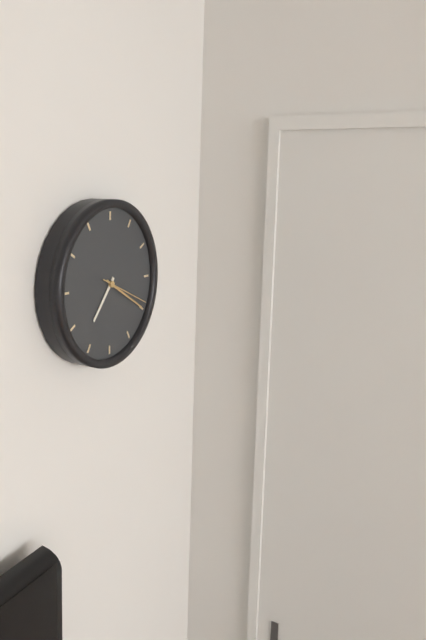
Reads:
h=7 m=20 s=19
